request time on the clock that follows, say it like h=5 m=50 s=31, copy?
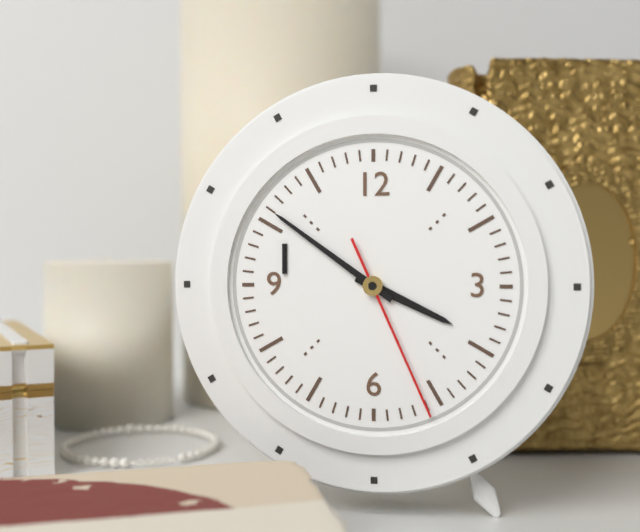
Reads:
h=3 m=51 s=26
